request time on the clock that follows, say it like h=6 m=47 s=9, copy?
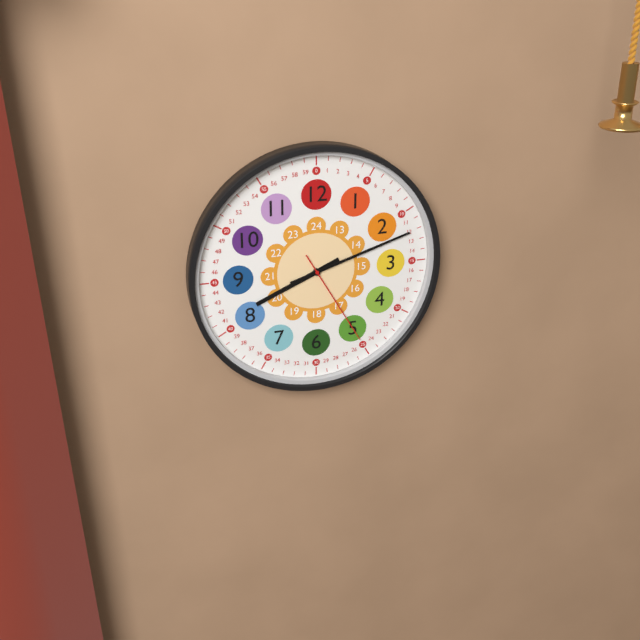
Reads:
h=8 m=12 s=25
